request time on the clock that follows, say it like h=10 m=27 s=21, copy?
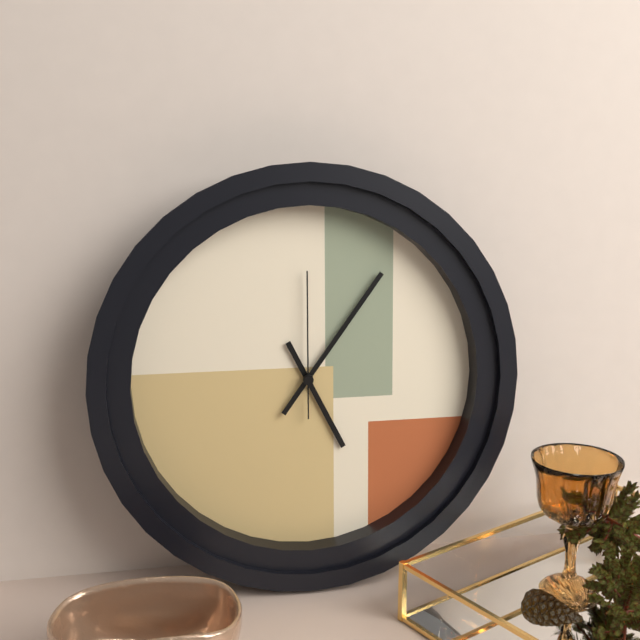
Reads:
h=5 m=6 s=0
